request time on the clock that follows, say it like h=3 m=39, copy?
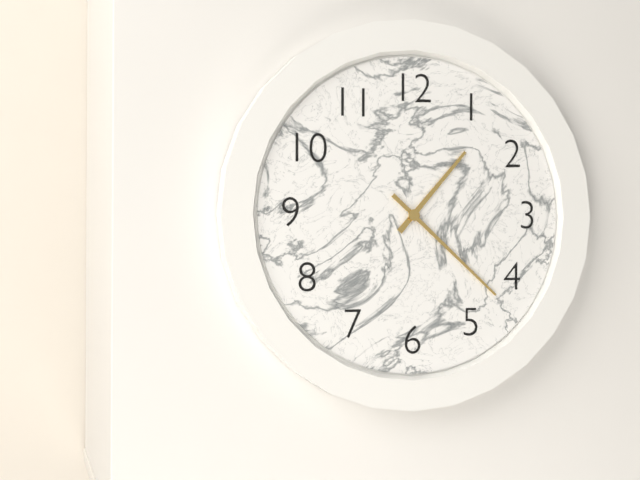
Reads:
h=1 m=22
